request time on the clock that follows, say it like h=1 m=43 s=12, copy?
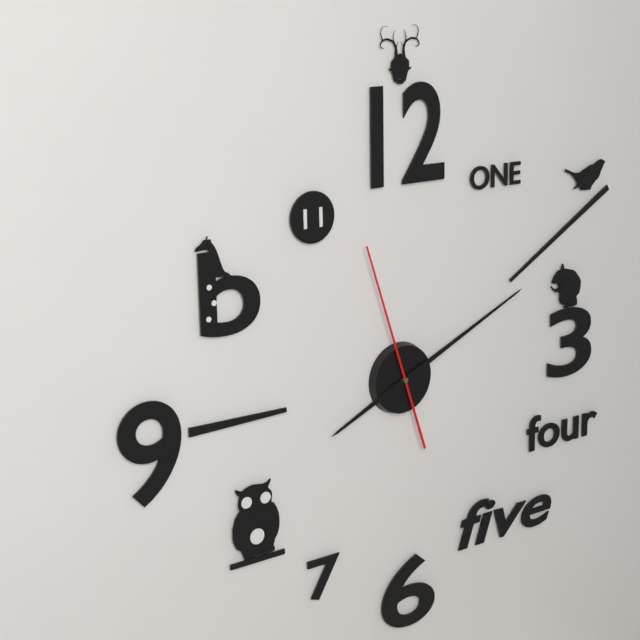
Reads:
h=8 m=11 s=57
